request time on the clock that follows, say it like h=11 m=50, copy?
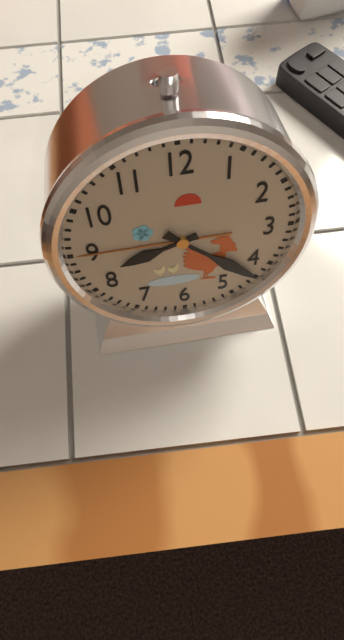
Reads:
h=8 m=22
